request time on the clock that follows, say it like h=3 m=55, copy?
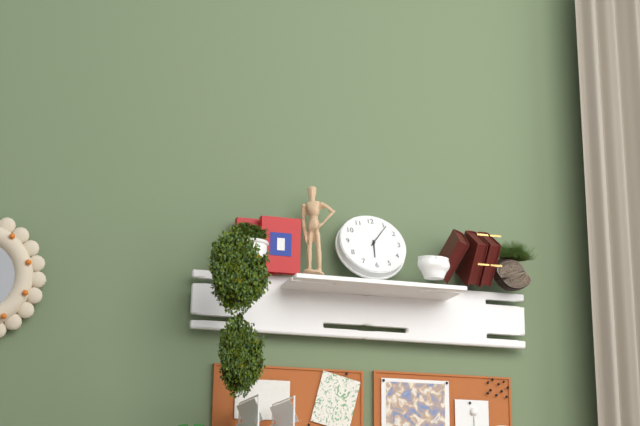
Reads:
h=6 m=6
